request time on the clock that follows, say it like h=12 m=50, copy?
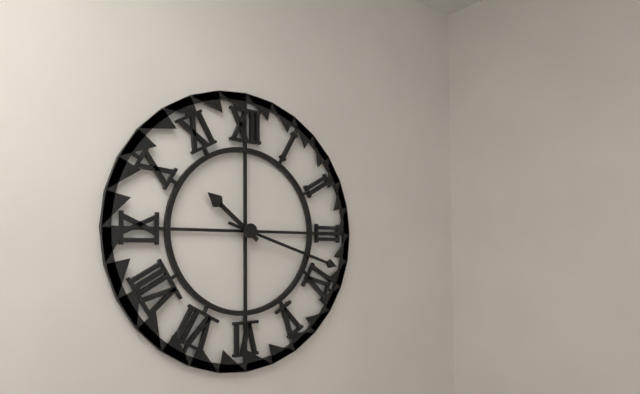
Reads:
h=10 m=18
